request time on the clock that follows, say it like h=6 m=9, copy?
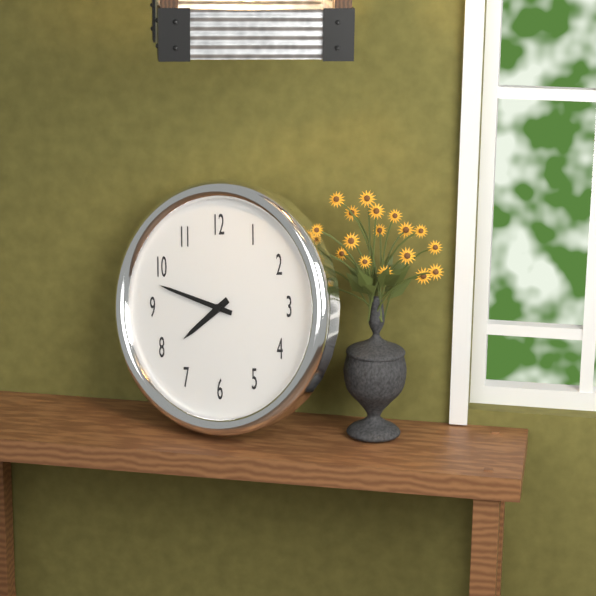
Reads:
h=7 m=48
